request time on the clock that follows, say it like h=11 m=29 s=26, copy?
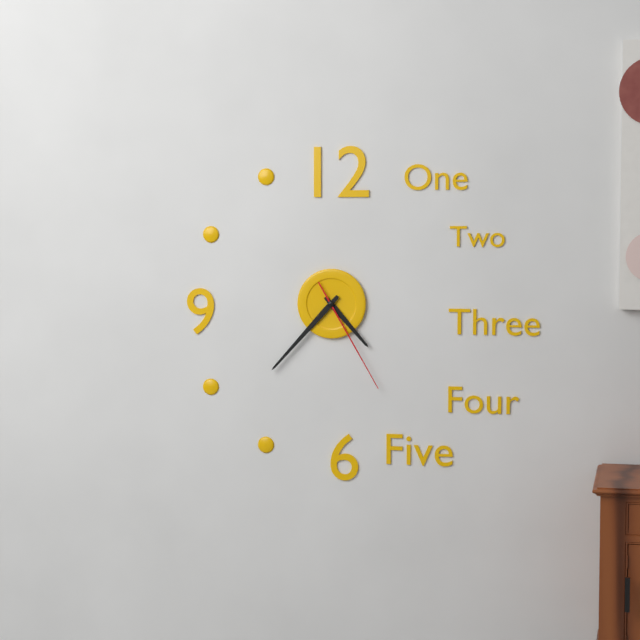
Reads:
h=4 m=37 s=25
